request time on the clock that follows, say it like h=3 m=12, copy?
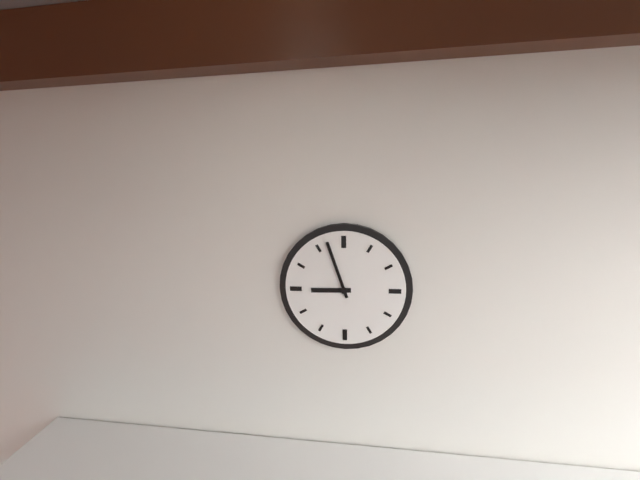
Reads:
h=8 m=57
